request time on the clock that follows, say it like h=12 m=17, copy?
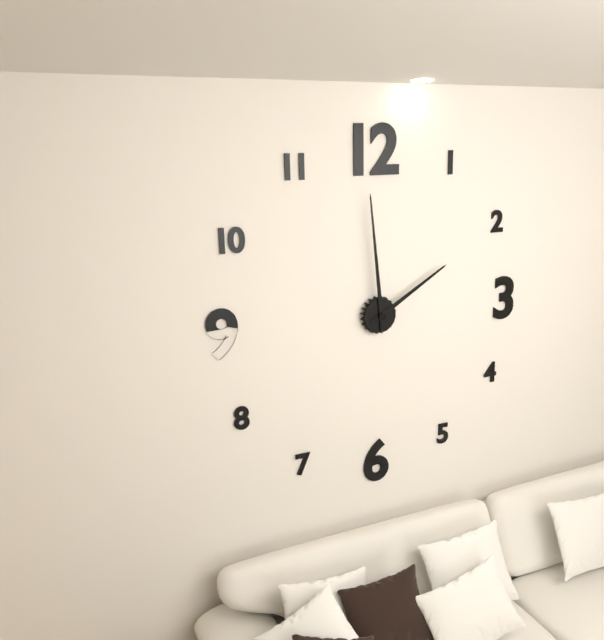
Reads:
h=1 m=59
